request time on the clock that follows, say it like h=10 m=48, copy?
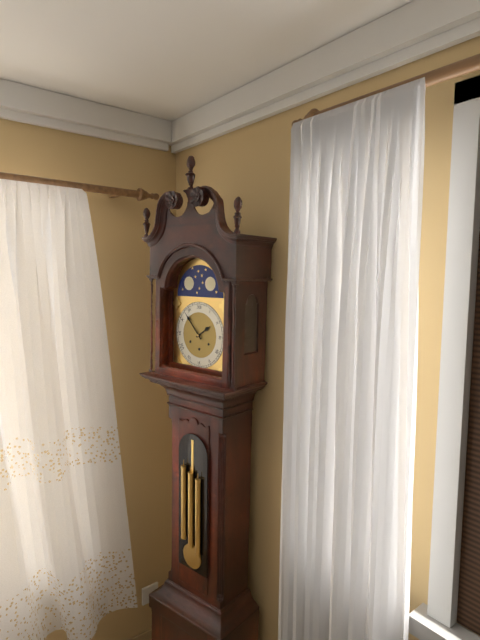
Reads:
h=1 m=53
